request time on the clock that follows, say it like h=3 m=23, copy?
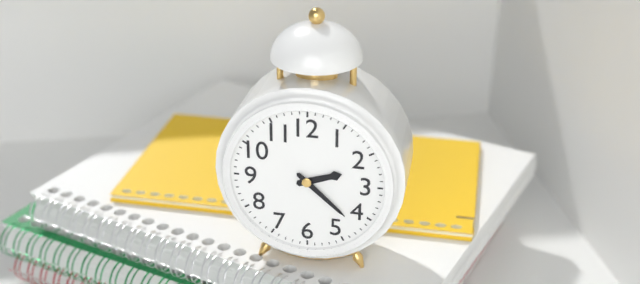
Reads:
h=2 m=22
